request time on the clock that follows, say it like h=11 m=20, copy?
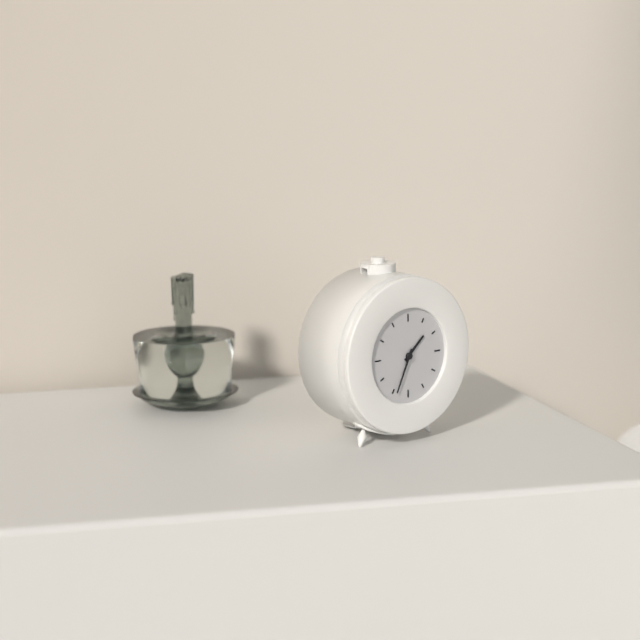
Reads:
h=1 m=34
